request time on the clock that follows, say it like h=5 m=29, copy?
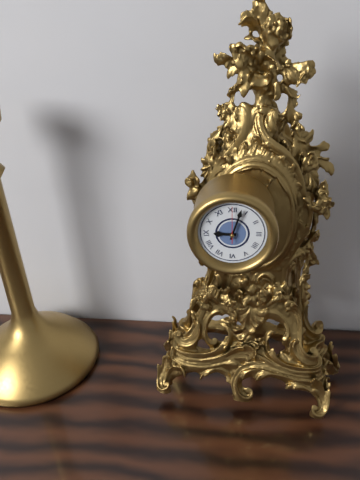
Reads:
h=9 m=3
